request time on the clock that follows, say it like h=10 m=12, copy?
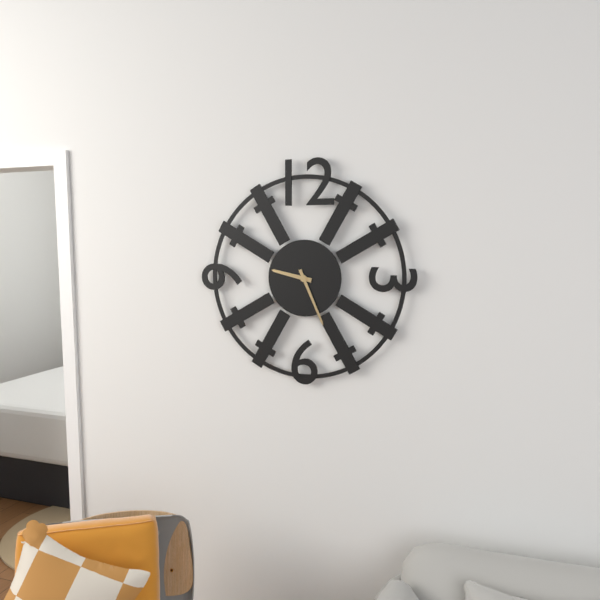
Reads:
h=9 m=26
